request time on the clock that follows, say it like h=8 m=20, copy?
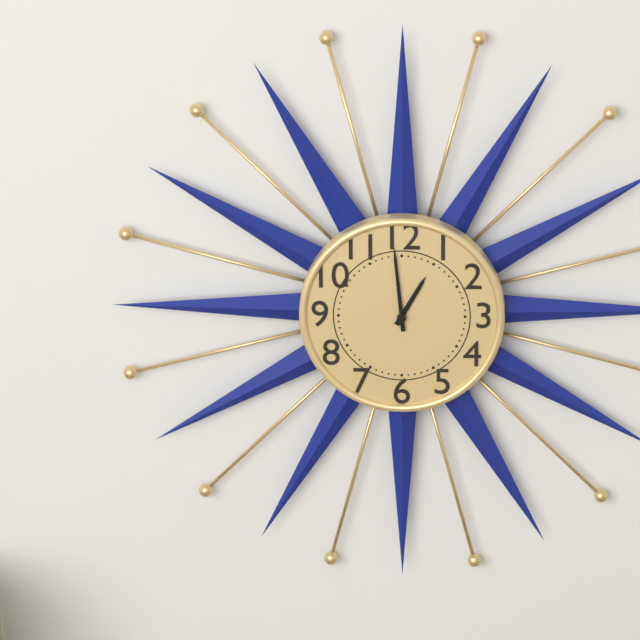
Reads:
h=12 m=59
